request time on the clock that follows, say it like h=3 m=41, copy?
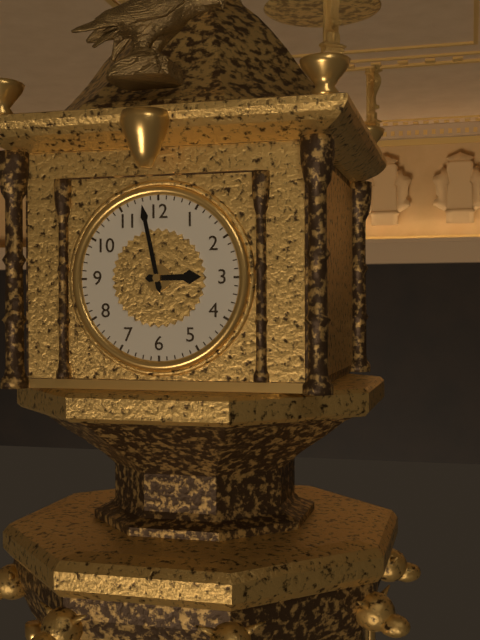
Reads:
h=2 m=58
